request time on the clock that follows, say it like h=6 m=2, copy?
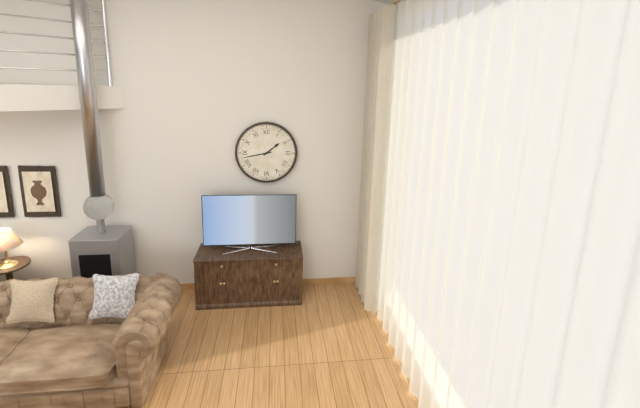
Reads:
h=1 m=43
